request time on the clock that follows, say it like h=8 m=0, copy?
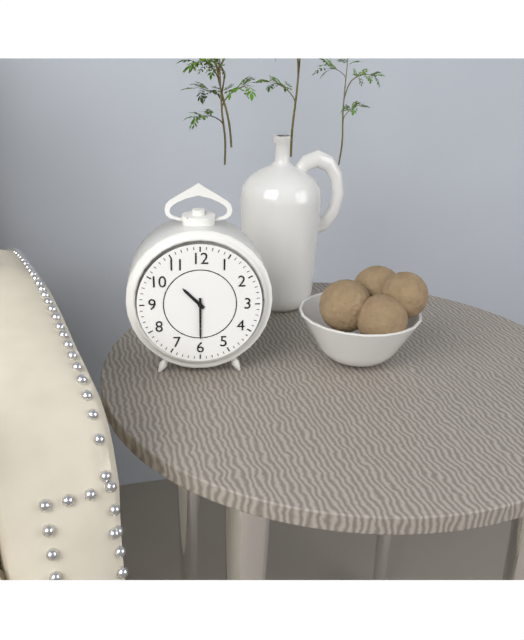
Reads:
h=10 m=30
